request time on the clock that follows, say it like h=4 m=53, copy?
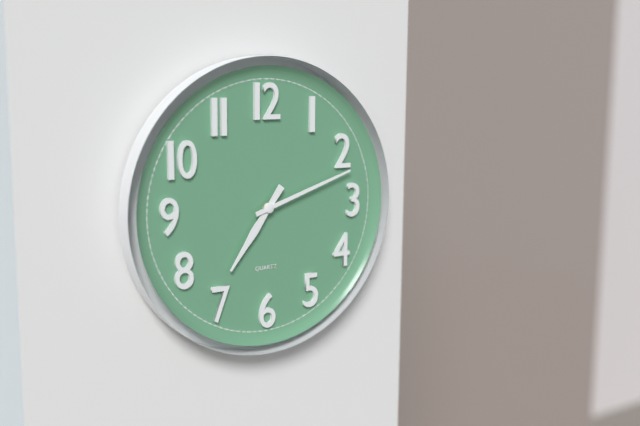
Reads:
h=7 m=12
